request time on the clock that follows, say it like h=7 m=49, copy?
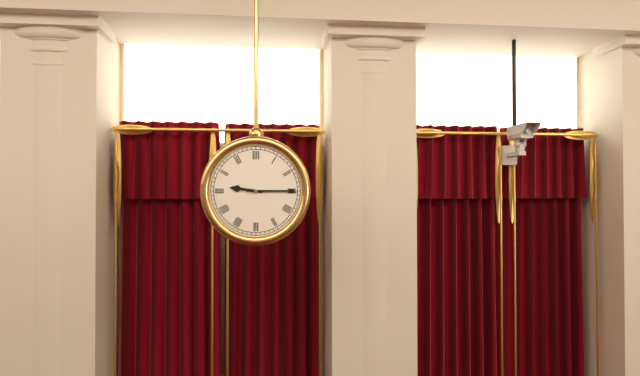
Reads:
h=9 m=15
